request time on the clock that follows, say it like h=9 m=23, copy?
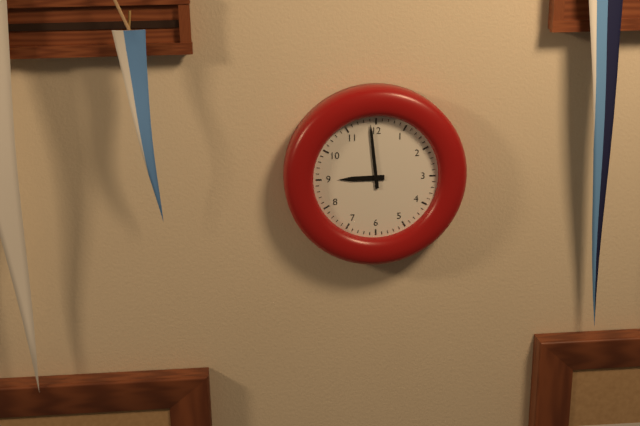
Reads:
h=8 m=59
